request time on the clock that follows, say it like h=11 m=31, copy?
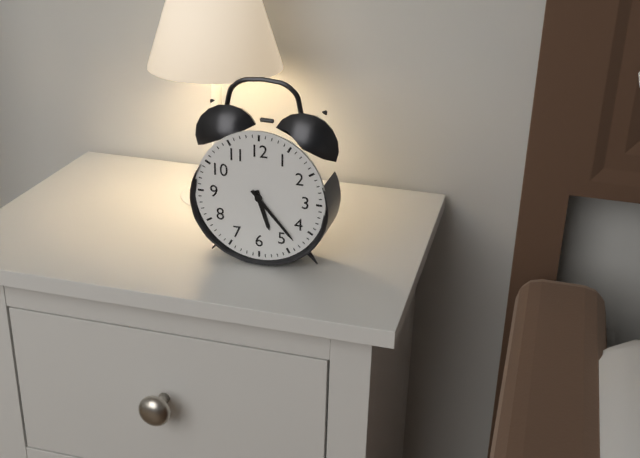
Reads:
h=5 m=23
